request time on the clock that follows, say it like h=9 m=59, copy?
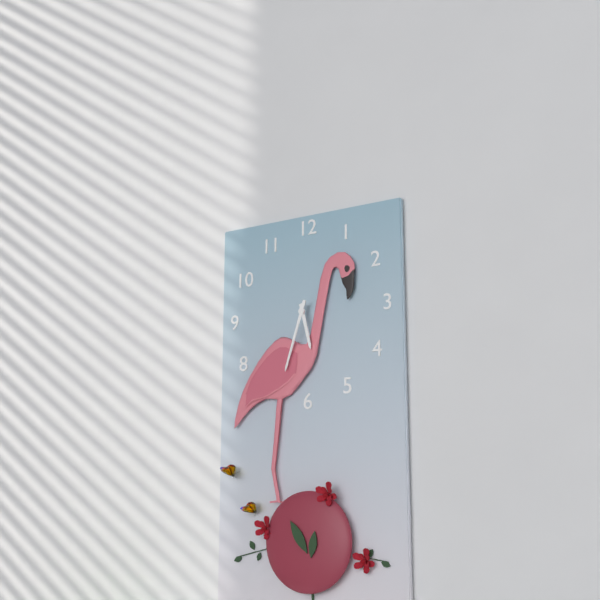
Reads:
h=5 m=33
